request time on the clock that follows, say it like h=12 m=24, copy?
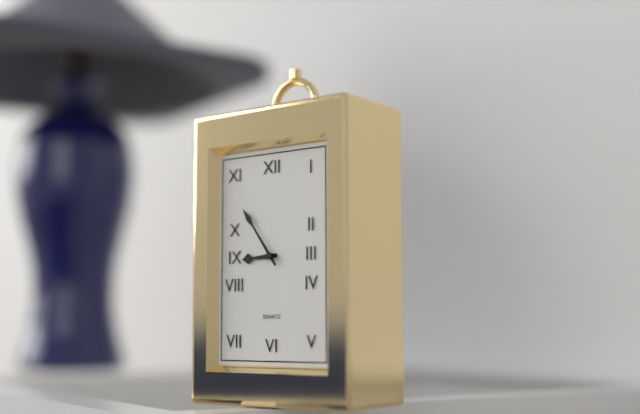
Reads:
h=8 m=54
